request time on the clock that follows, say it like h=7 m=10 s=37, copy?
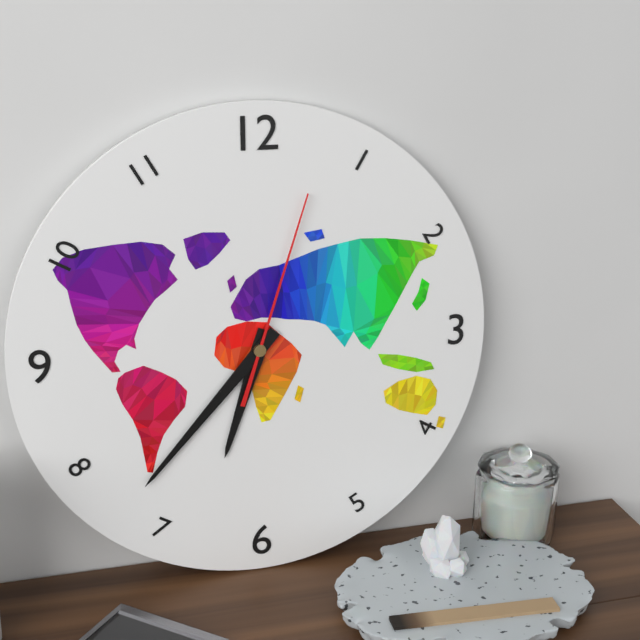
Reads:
h=6 m=37 s=3
